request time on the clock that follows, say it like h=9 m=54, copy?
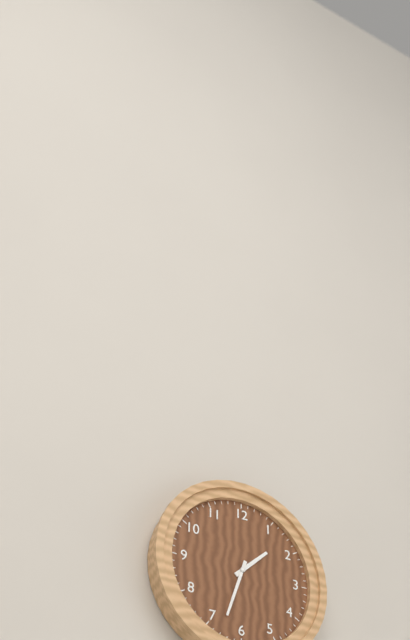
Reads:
h=1 m=33
